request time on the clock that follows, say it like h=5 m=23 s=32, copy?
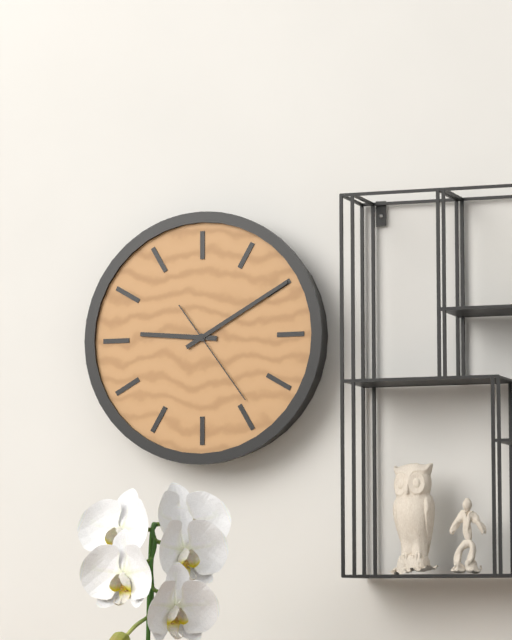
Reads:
h=9 m=10 s=24
